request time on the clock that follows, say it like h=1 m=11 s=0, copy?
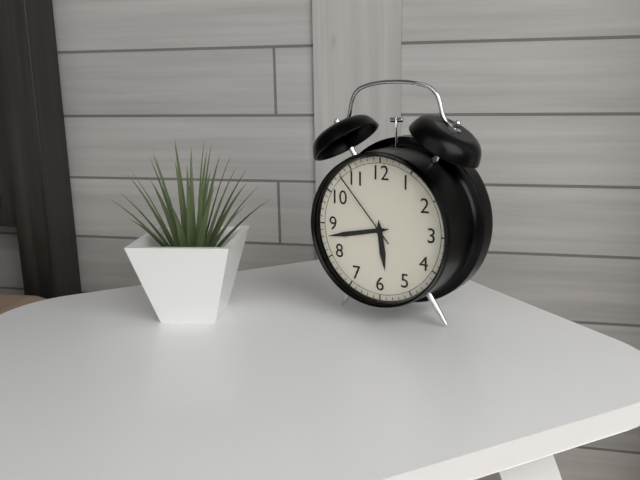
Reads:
h=5 m=43 s=53
